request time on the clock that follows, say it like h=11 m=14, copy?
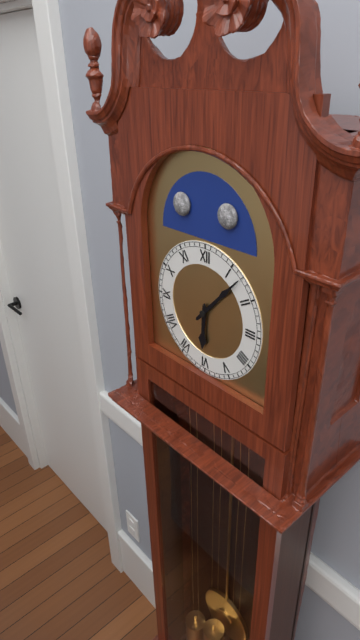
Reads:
h=6 m=7
